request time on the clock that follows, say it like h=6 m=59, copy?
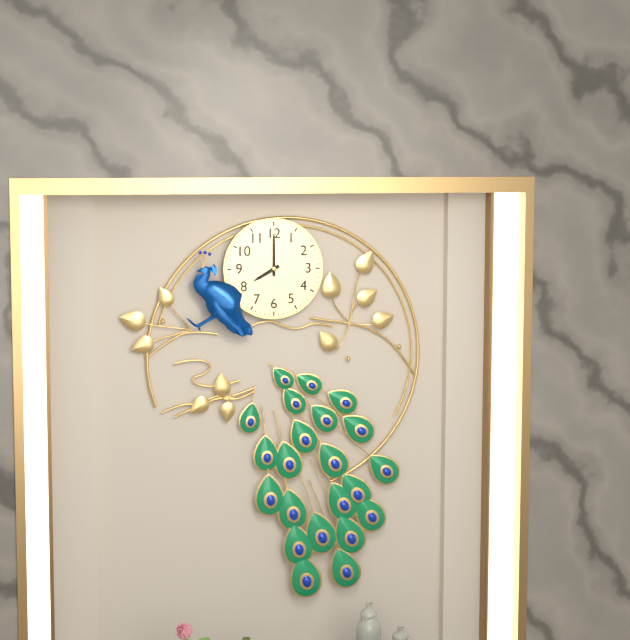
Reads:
h=8 m=0
